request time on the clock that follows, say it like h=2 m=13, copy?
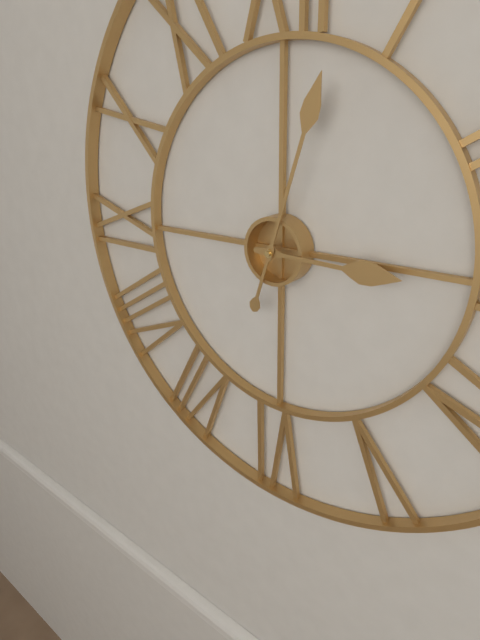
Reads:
h=3 m=3
